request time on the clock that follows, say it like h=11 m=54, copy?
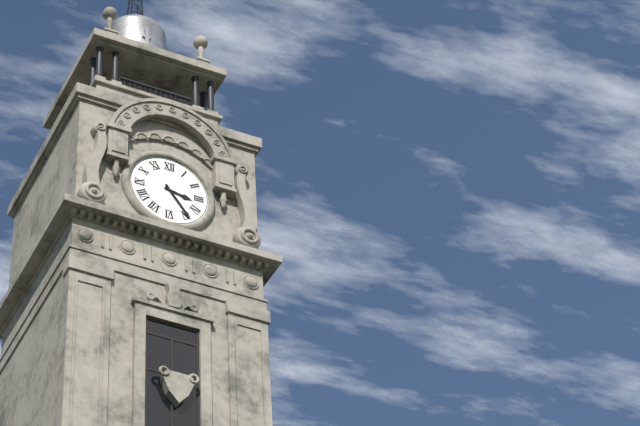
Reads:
h=3 m=24
